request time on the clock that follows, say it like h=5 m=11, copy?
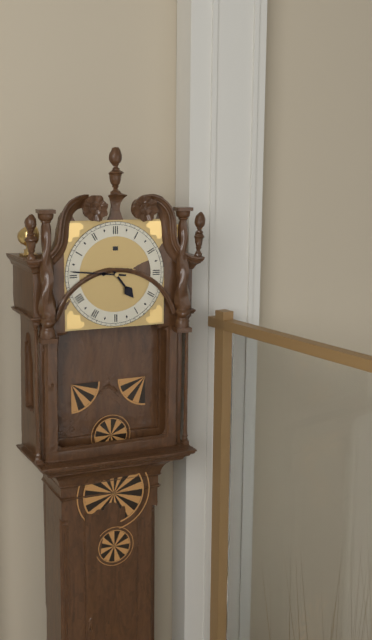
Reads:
h=4 m=46
